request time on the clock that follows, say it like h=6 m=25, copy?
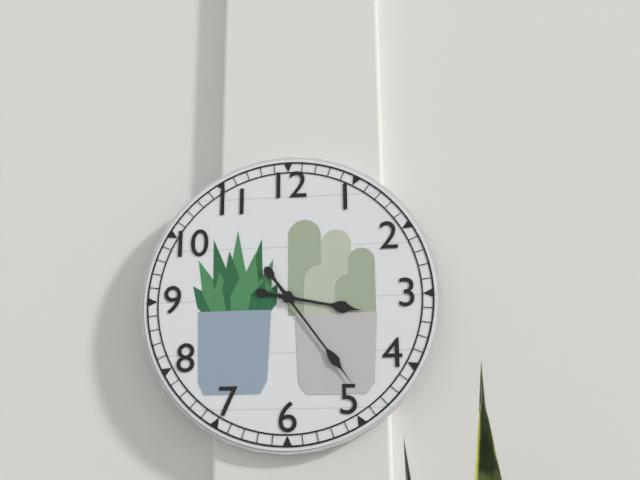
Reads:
h=3 m=24
